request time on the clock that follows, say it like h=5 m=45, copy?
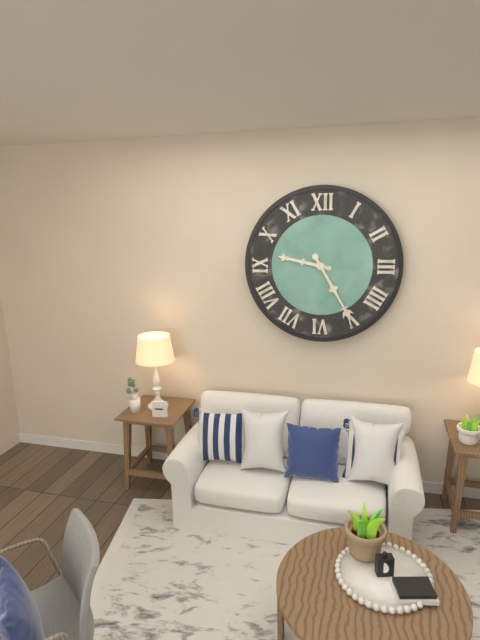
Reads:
h=9 m=25
